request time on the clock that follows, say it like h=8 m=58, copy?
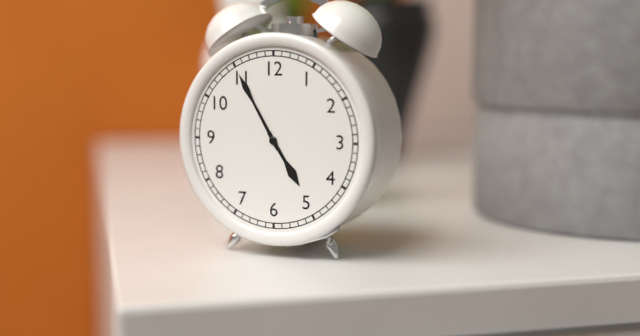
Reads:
h=4 m=55
